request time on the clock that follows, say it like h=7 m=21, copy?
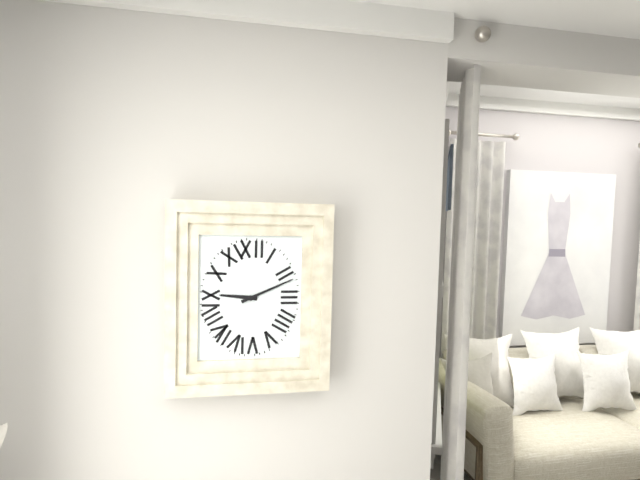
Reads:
h=9 m=11
